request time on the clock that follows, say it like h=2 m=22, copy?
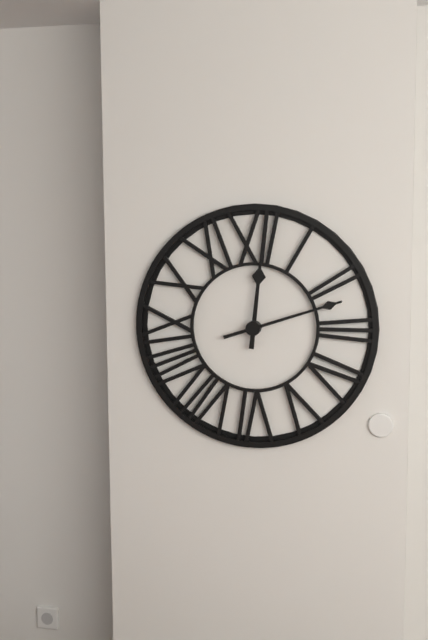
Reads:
h=12 m=12
